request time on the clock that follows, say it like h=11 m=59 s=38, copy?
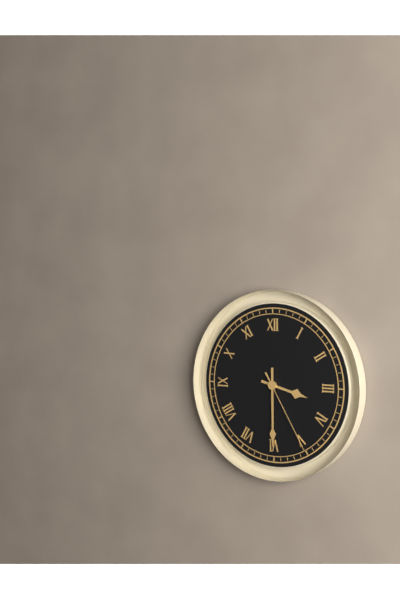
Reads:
h=3 m=30 s=25
